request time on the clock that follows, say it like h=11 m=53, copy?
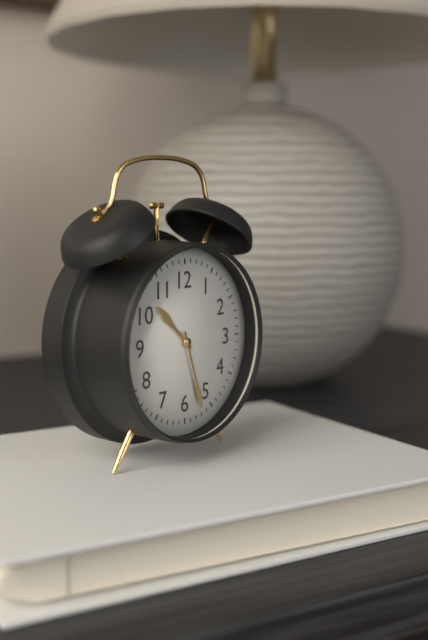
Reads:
h=10 m=27
